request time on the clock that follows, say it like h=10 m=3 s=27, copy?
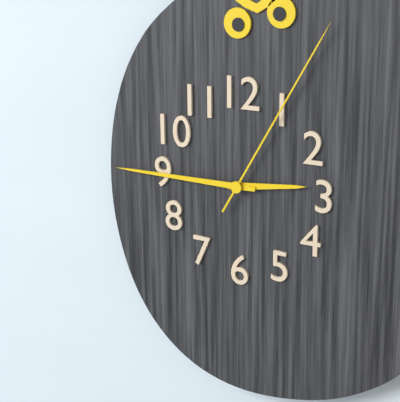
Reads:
h=2 m=45 s=5
